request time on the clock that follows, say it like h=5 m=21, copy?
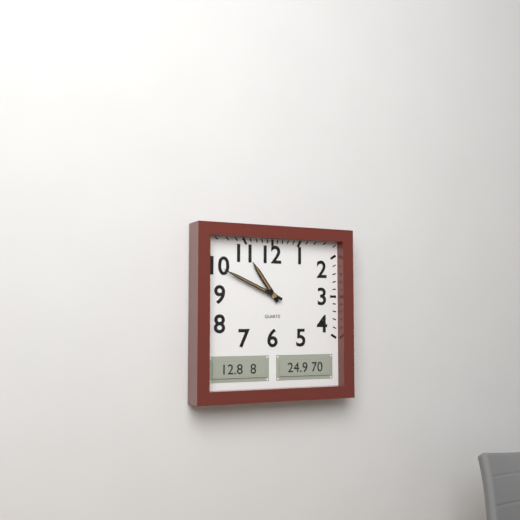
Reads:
h=10 m=49
